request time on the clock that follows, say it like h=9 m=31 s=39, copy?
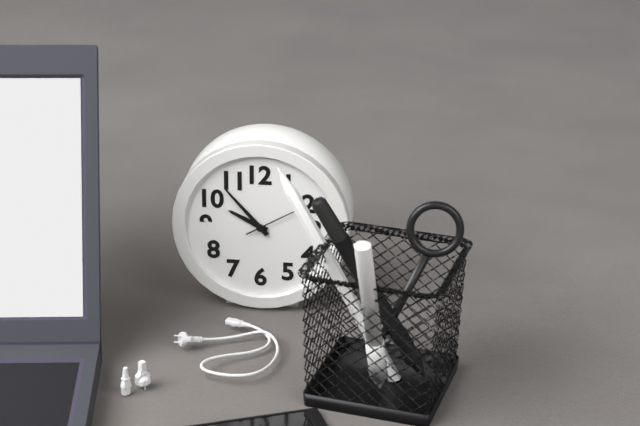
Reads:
h=9 m=53 s=10
